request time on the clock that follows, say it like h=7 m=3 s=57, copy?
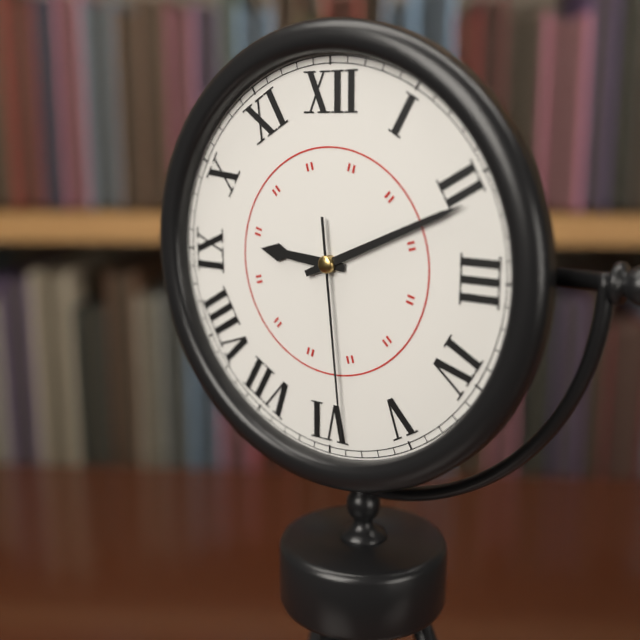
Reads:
h=9 m=11 s=29
